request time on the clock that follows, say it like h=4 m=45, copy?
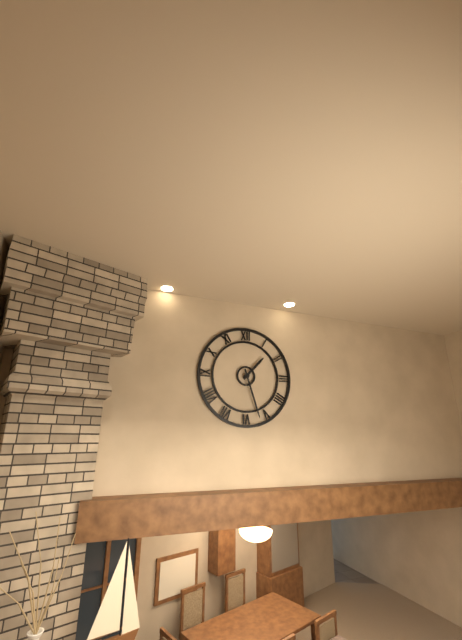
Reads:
h=1 m=27
